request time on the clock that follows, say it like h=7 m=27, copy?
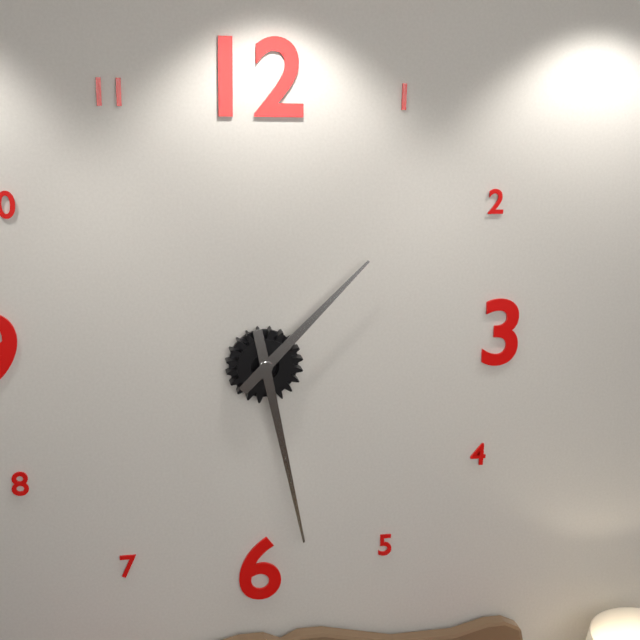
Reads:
h=1 m=28
